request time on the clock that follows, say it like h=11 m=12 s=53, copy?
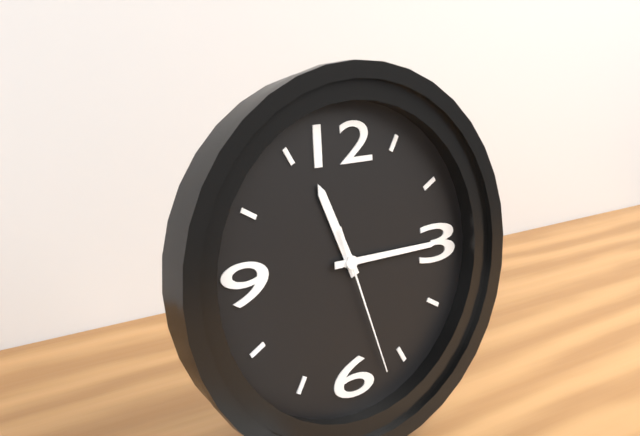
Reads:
h=11 m=15 s=27
